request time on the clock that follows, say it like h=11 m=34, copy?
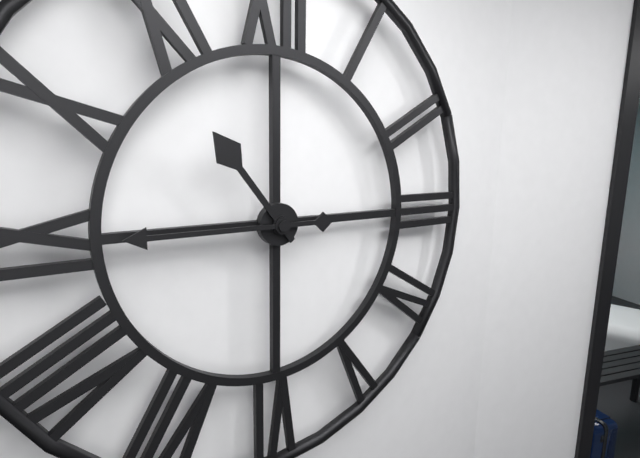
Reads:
h=10 m=45
